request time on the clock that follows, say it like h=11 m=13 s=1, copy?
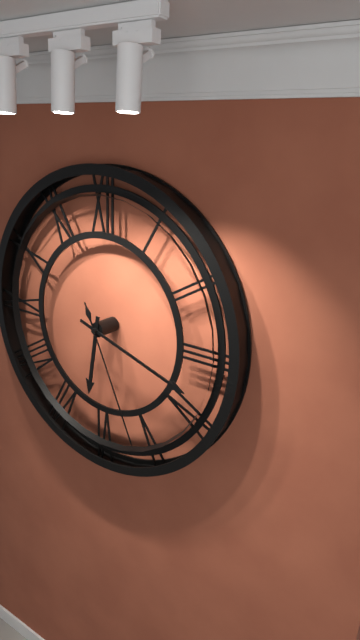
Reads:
h=6 m=18 s=26
